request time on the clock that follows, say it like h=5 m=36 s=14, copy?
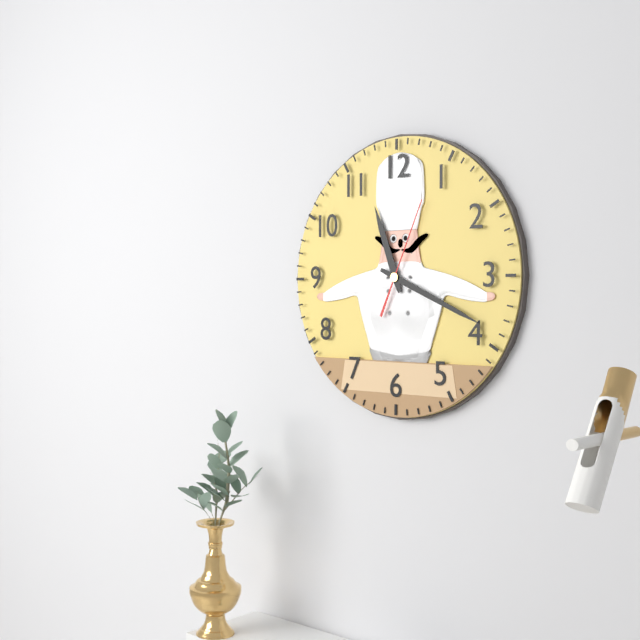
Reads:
h=11 m=19 s=4
